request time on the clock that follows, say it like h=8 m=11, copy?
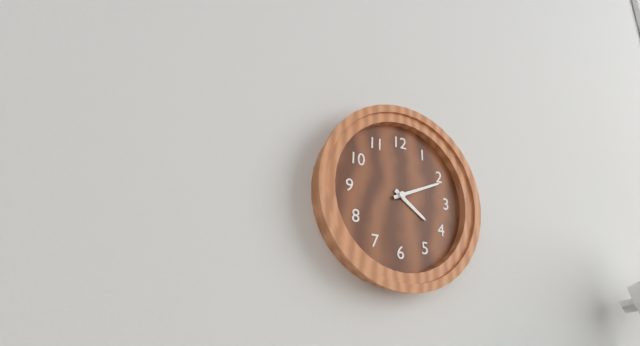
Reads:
h=4 m=11
